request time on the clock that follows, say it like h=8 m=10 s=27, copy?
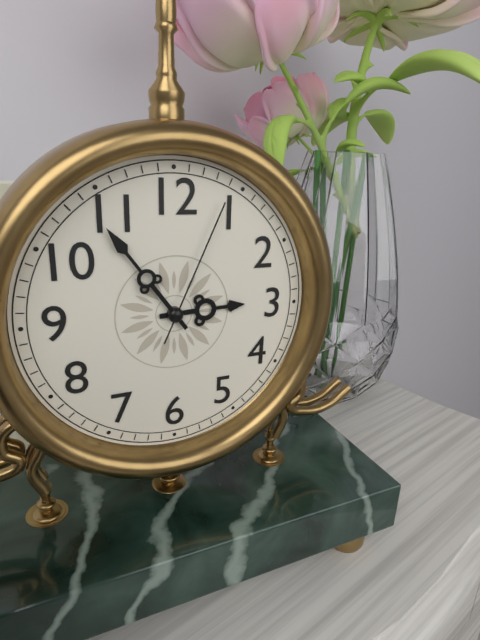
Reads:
h=2 m=54 s=4
